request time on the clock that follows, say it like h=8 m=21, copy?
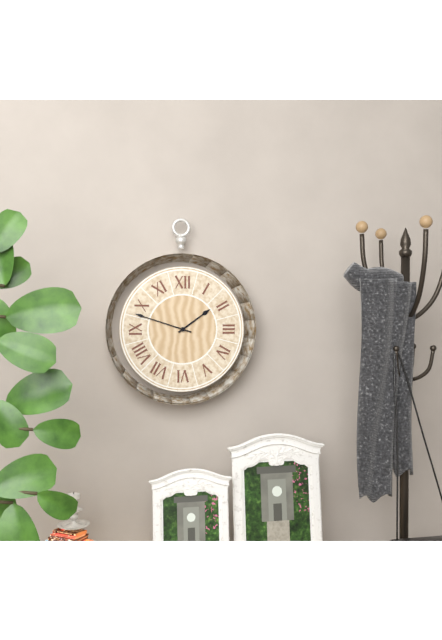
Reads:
h=1 m=48
